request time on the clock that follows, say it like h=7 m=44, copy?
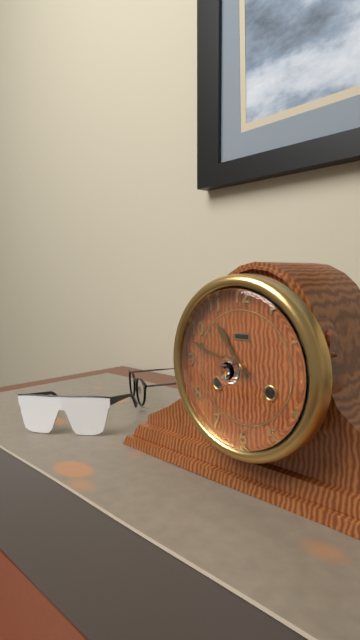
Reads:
h=10 m=48
